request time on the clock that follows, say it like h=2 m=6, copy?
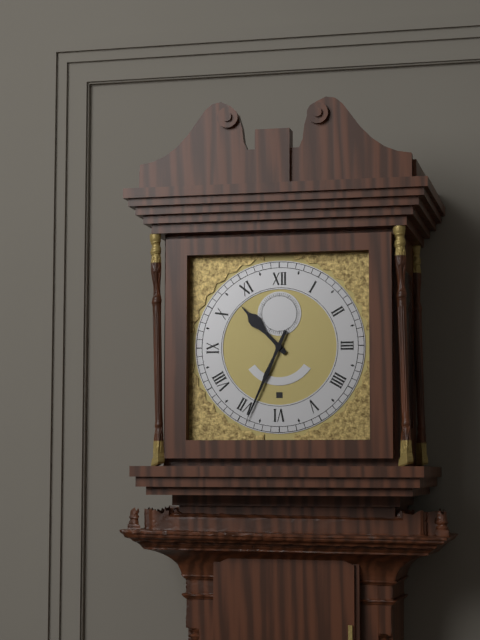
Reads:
h=10 m=34
